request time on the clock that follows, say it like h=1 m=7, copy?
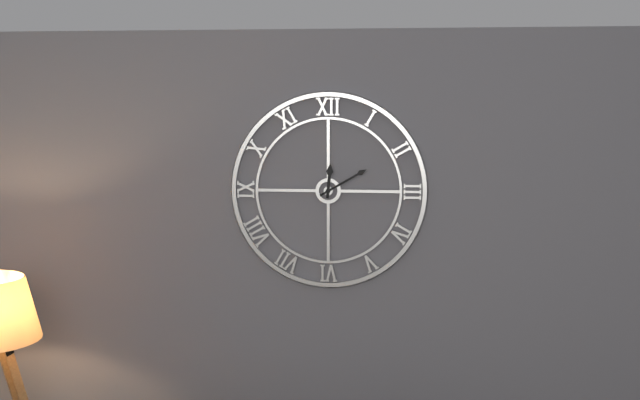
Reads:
h=12 m=10
